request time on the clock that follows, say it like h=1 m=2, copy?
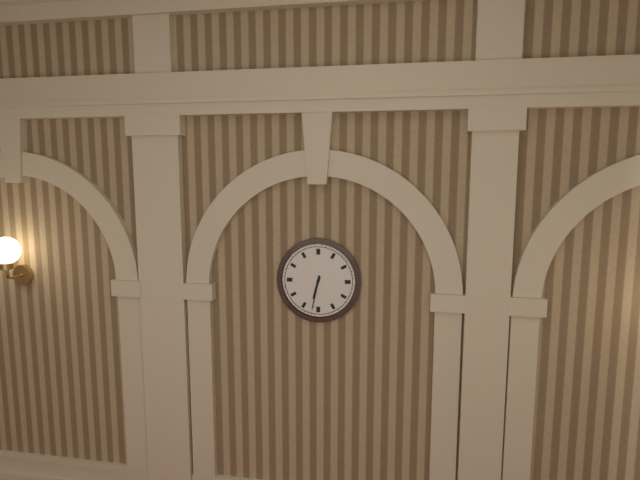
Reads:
h=6 m=32
